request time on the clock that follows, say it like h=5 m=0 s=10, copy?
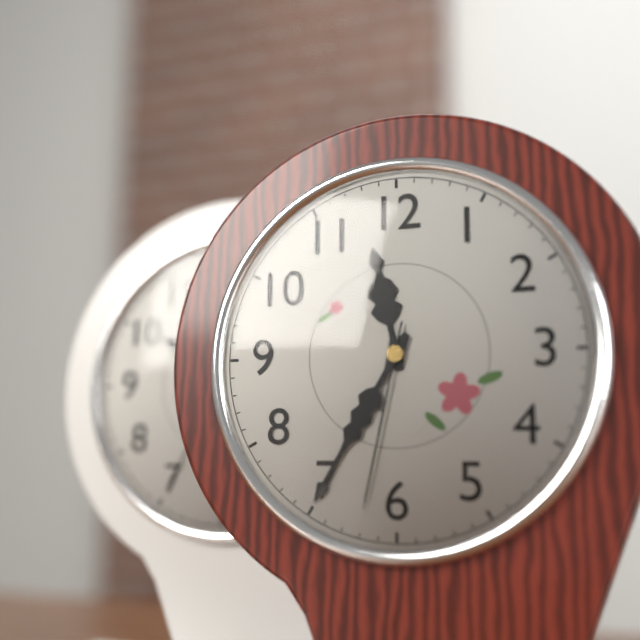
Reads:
h=11 m=35 s=32
